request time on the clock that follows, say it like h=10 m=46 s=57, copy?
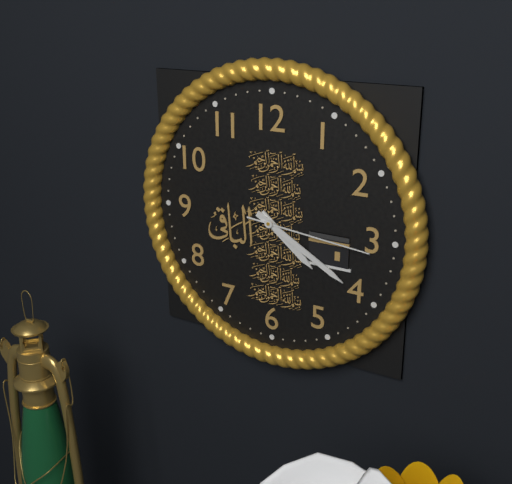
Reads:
h=4 m=20 s=16
